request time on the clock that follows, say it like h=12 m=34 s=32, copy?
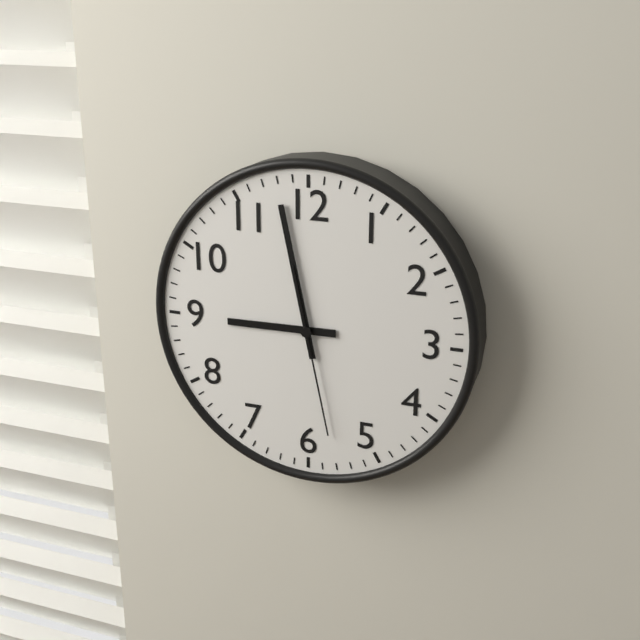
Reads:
h=8 m=58 s=28
